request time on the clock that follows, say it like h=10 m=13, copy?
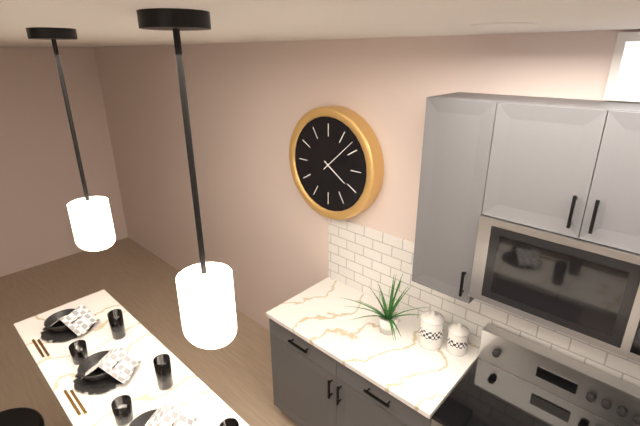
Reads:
h=4 m=8
